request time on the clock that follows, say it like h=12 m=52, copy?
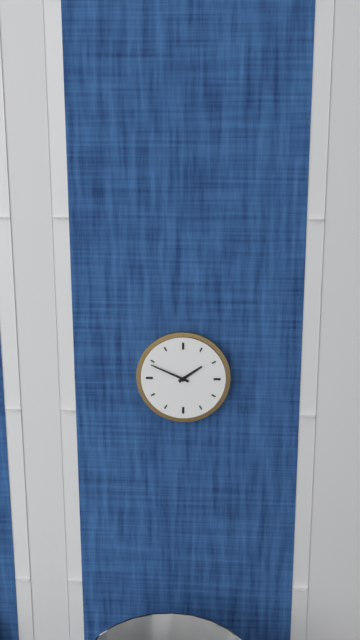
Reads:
h=1 m=49
